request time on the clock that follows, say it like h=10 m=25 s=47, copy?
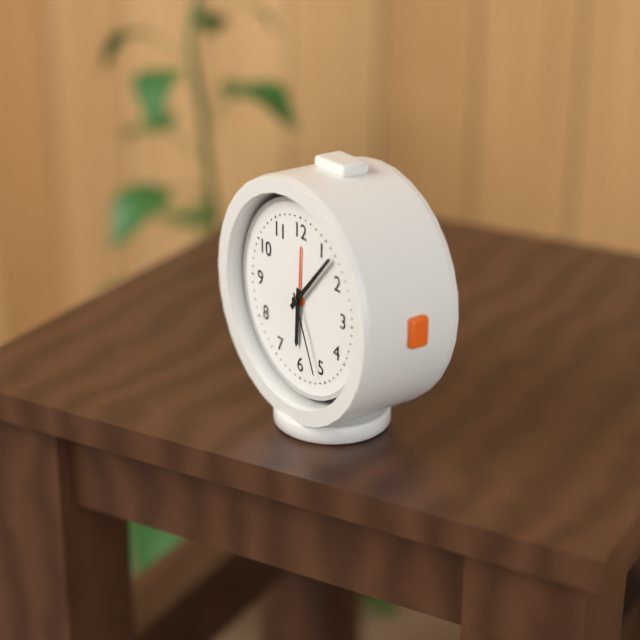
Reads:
h=6 m=7 s=26
